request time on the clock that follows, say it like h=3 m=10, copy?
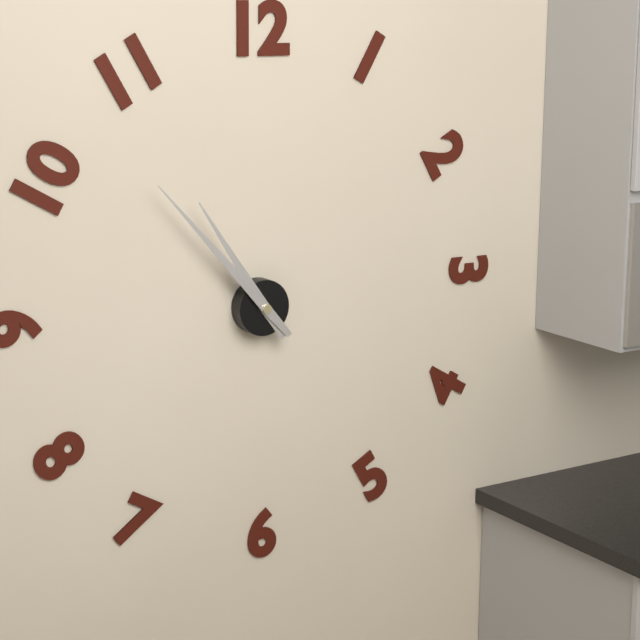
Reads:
h=10 m=53
